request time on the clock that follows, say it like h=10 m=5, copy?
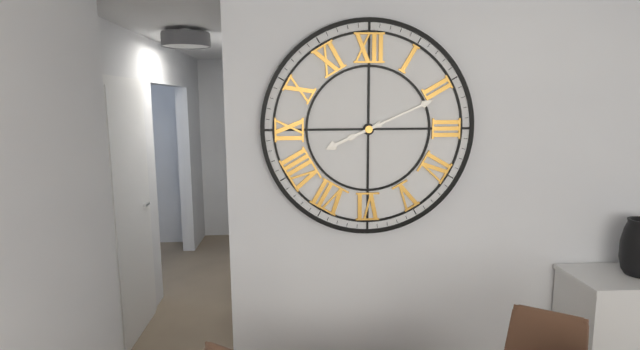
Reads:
h=8 m=11
